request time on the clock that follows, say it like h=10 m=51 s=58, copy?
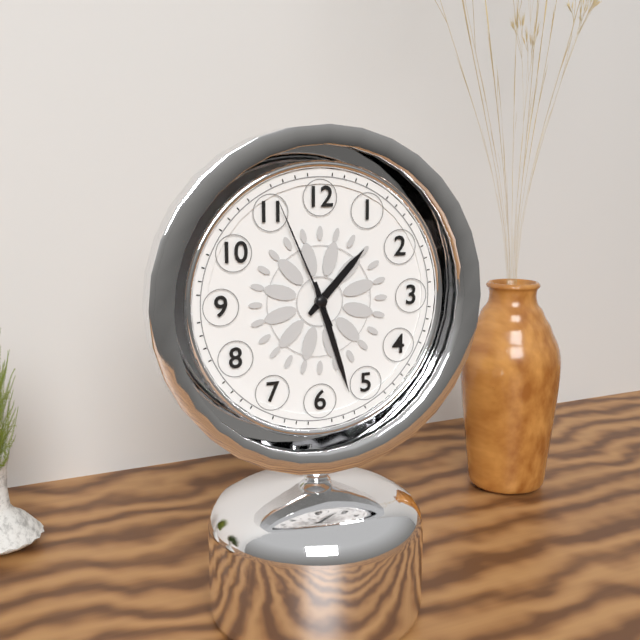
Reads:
h=1 m=27 s=56
